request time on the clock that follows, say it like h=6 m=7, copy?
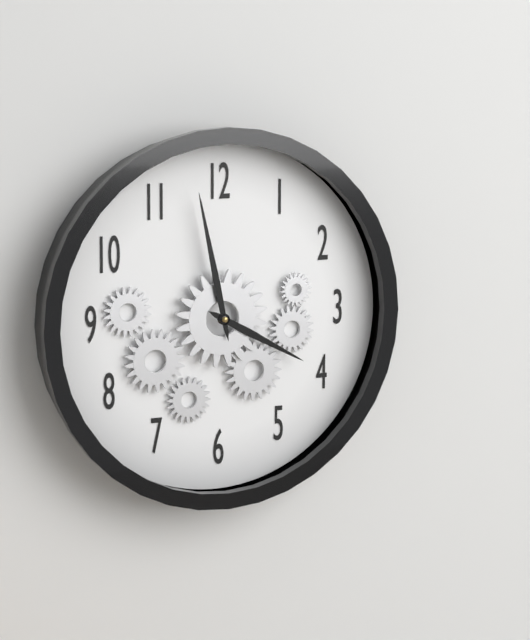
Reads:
h=3 m=58
